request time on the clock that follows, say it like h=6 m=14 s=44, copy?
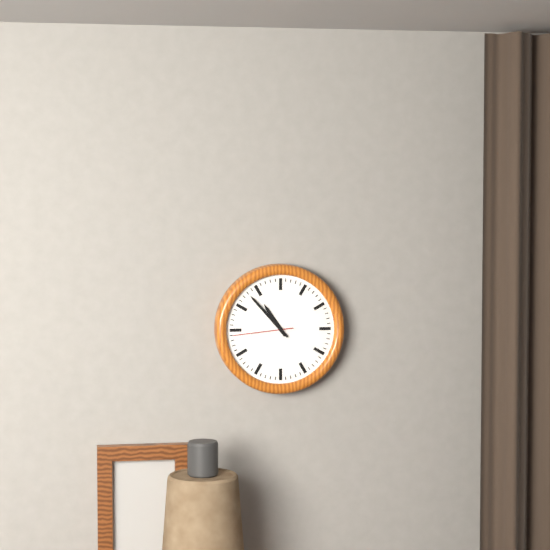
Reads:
h=10 m=53 s=44
